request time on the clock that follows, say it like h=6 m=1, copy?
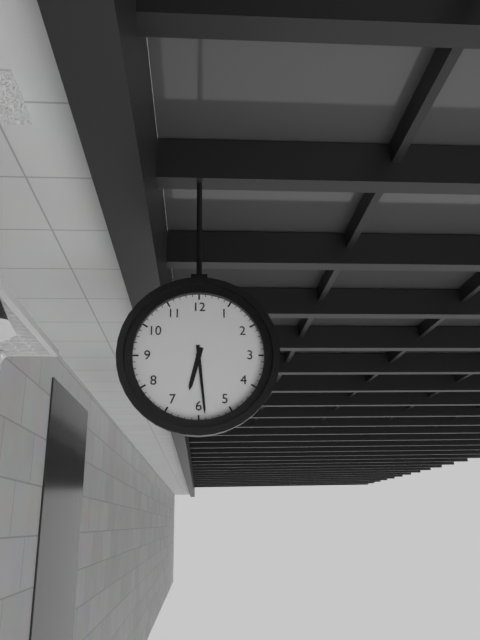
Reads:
h=6 m=29
